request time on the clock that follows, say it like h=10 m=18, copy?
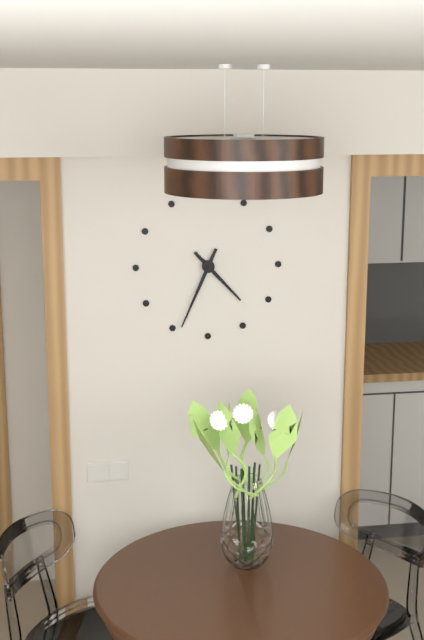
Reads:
h=4 m=34
